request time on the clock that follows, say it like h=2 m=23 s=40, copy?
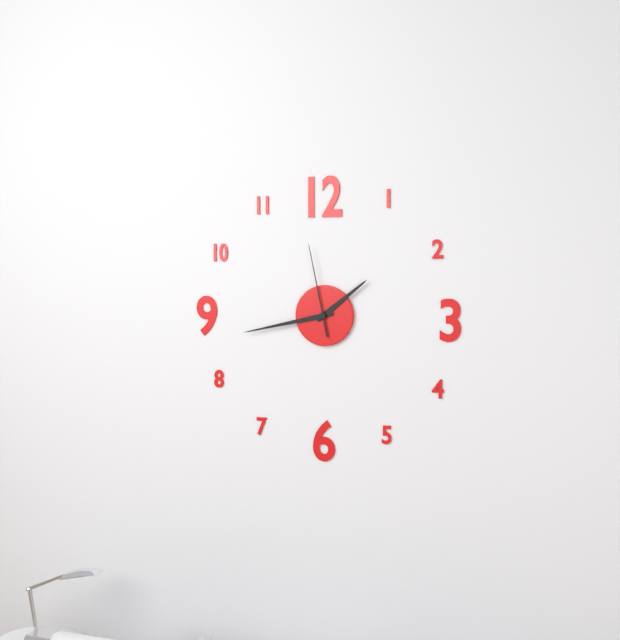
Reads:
h=1 m=43 s=58
